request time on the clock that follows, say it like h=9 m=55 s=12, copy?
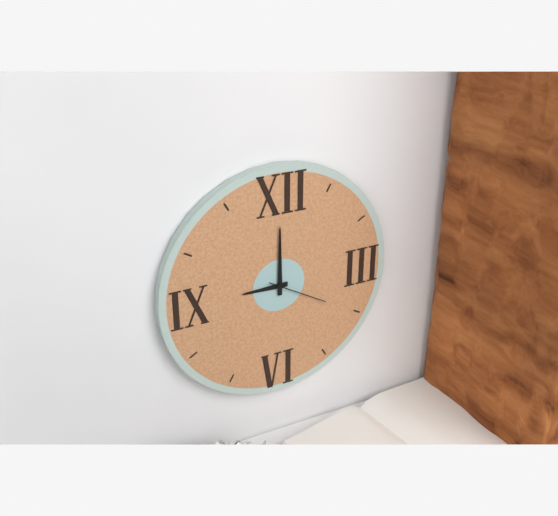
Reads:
h=9 m=0 s=20
